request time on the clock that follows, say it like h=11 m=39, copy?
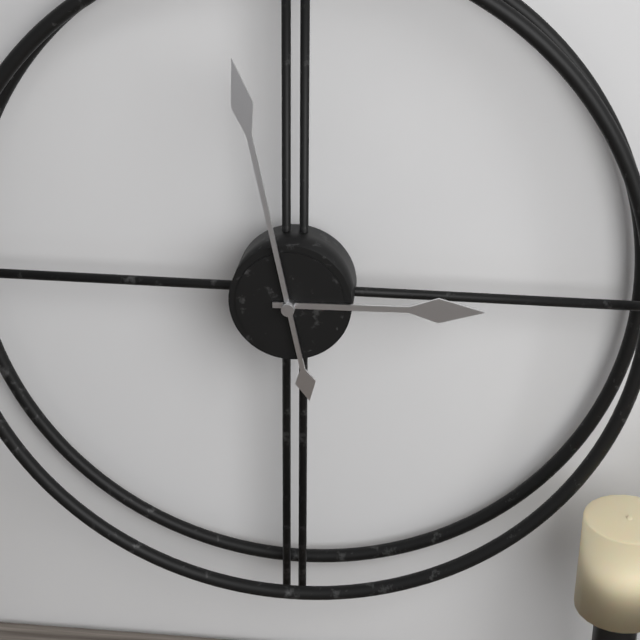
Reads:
h=2 m=58
